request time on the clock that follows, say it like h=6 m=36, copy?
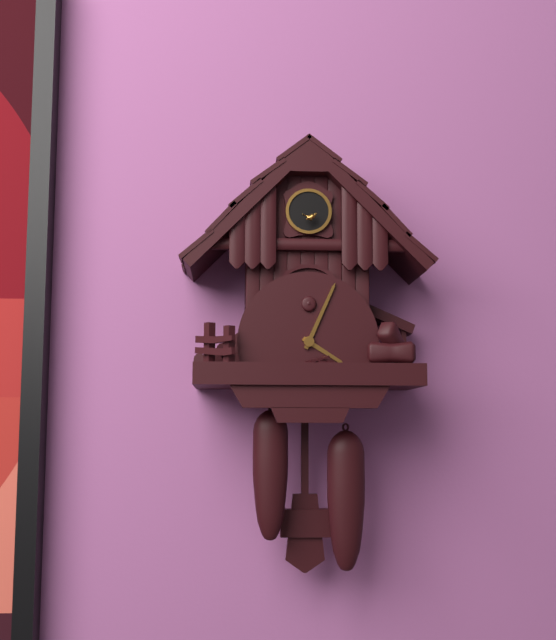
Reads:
h=4 m=4
